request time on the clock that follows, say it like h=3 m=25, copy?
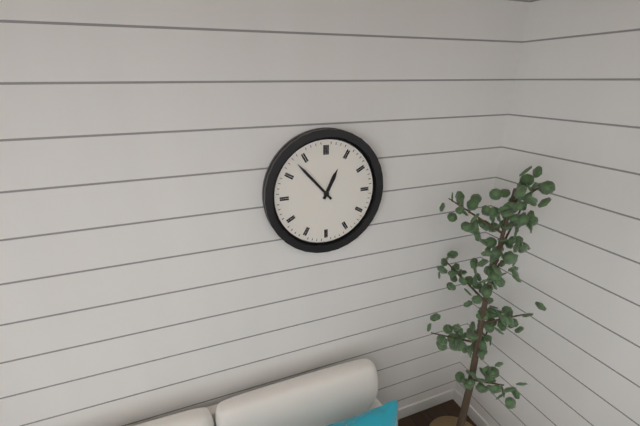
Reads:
h=12 m=53
